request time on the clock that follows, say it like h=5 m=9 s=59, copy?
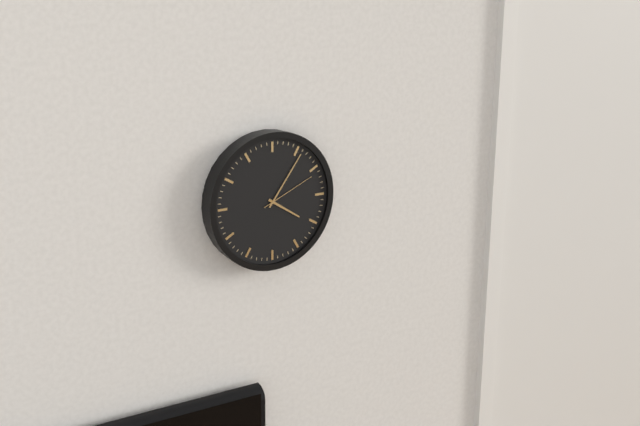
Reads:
h=4 m=6 s=11
